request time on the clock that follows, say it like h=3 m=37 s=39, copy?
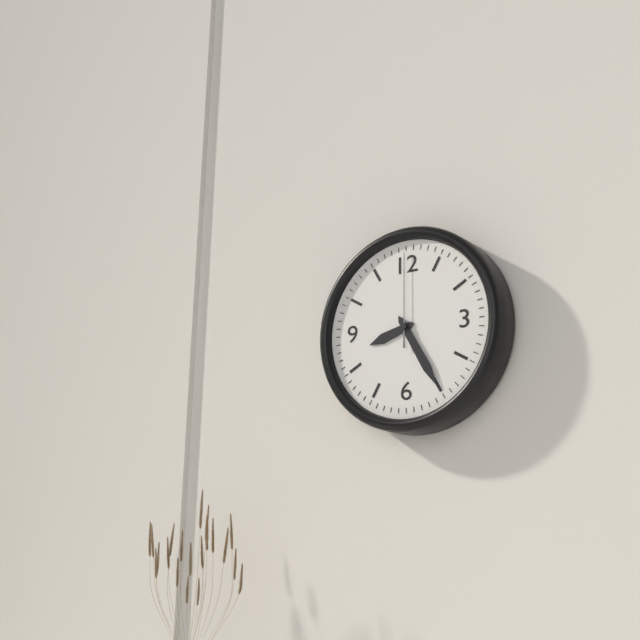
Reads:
h=8 m=25 s=0
